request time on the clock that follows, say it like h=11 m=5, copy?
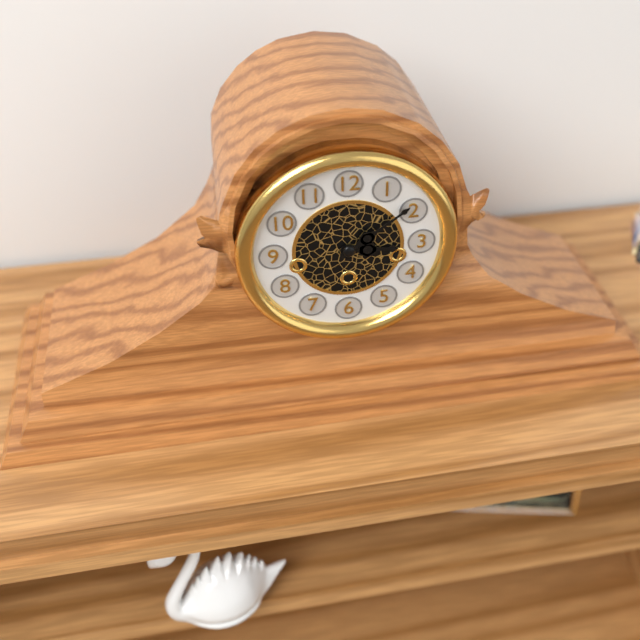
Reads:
h=3 m=9
